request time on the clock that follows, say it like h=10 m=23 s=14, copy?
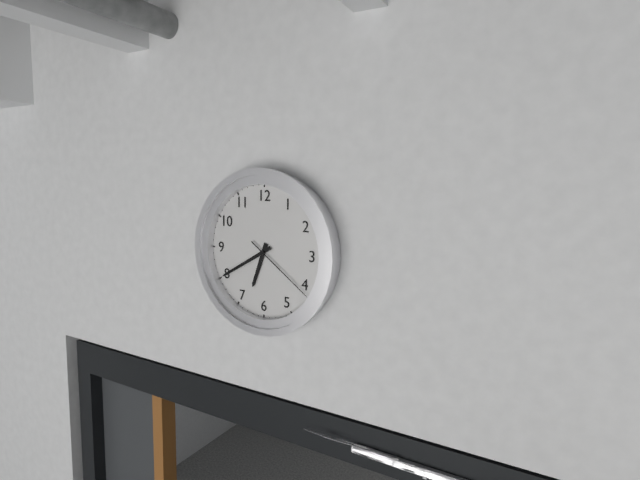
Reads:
h=6 m=40 s=21
